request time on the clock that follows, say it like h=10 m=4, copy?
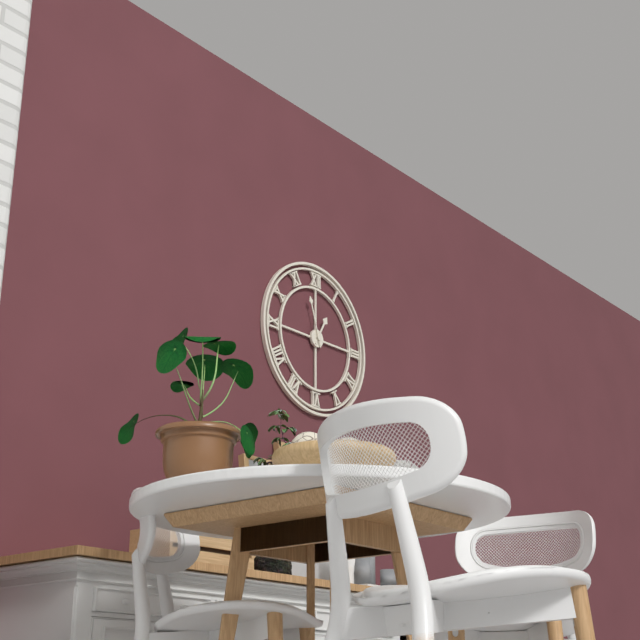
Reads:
h=12 m=57
